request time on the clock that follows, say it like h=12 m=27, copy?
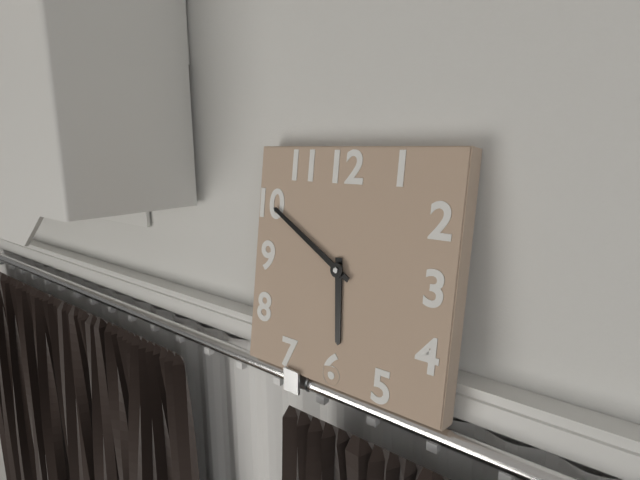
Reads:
h=5 m=50
